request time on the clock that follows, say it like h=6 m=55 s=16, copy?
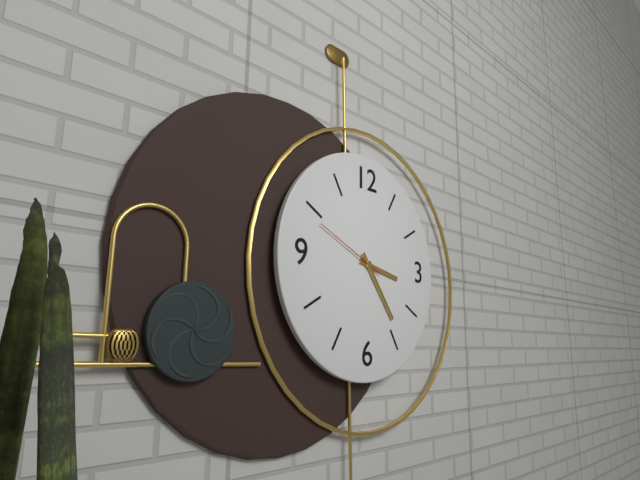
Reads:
h=3 m=24 s=49
